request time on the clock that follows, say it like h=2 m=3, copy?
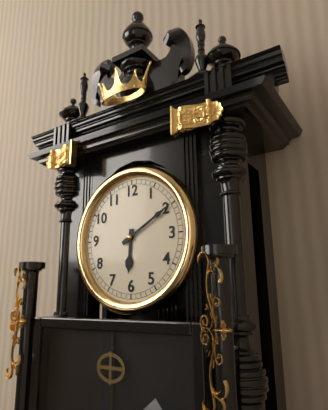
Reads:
h=6 m=10
